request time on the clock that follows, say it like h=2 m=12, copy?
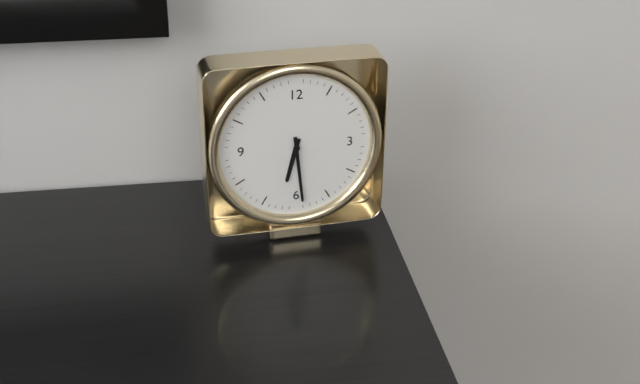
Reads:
h=6 m=29
